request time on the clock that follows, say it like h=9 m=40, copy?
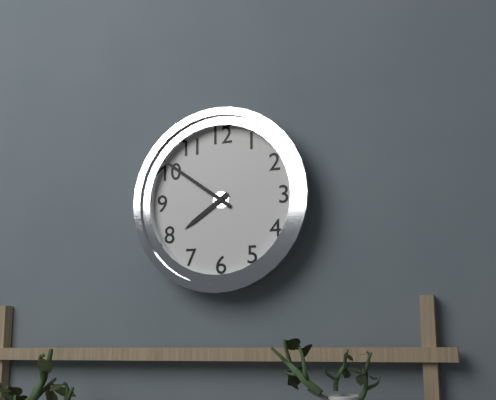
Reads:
h=7 m=51
